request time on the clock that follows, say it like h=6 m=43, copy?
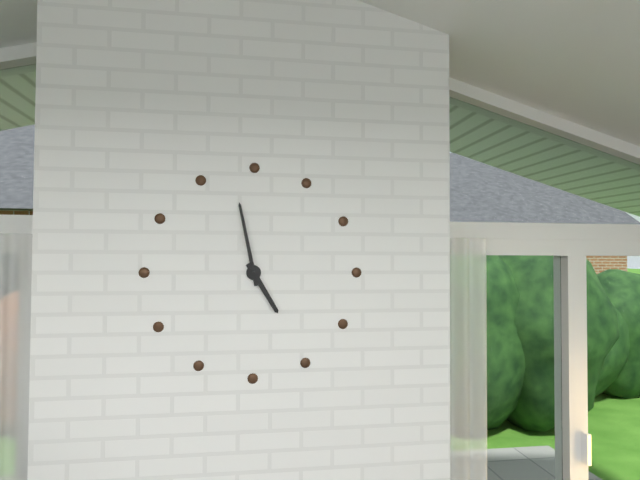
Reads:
h=4 m=58
